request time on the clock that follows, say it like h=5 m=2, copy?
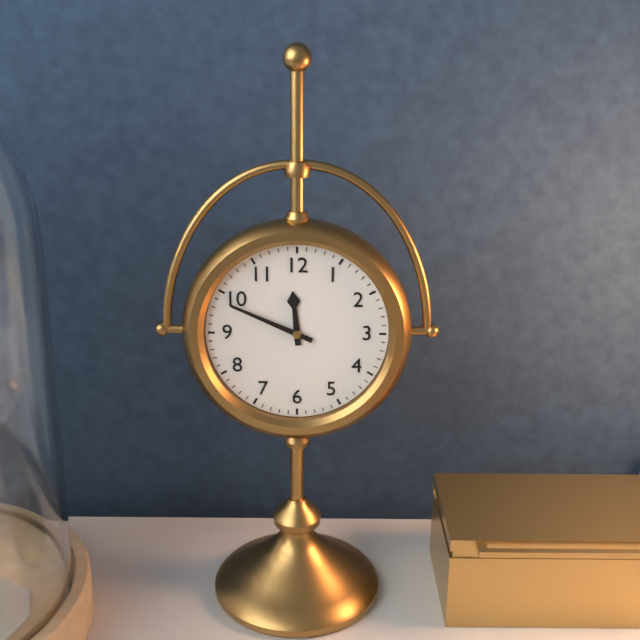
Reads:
h=11 m=49
